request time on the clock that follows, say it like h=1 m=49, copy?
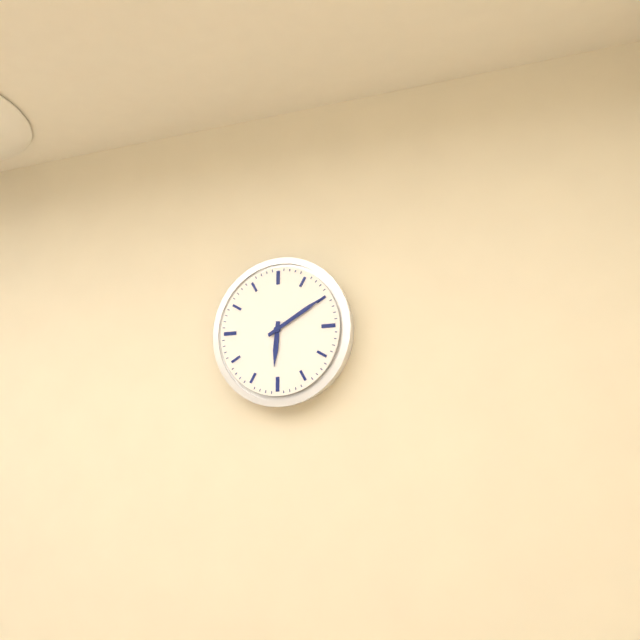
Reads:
h=6 m=10
